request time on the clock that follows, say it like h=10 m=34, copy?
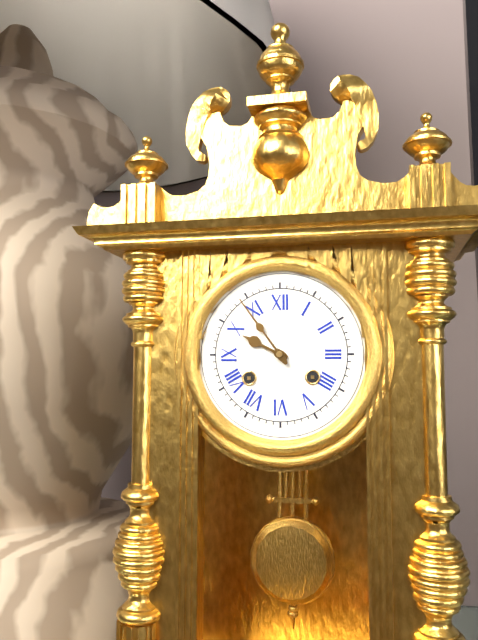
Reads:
h=9 m=54
